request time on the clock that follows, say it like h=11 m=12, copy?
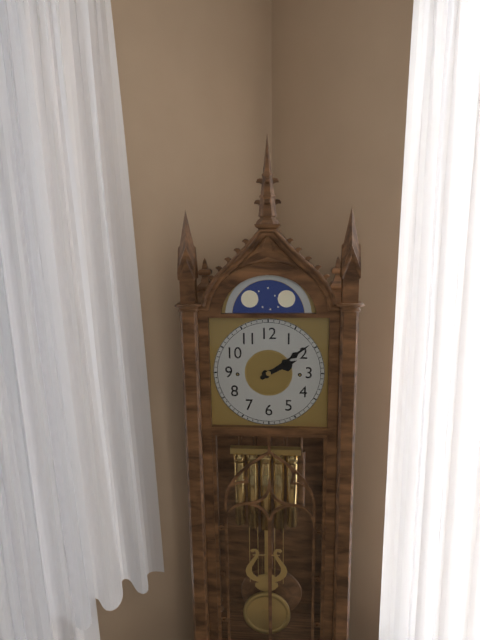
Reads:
h=2 m=9
